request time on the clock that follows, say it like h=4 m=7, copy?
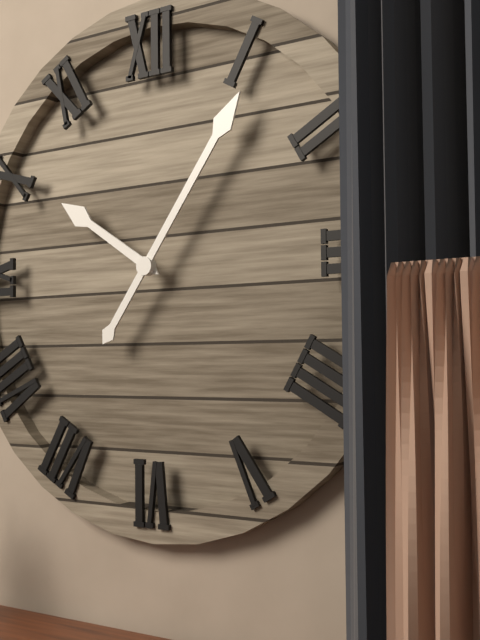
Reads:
h=10 m=6
